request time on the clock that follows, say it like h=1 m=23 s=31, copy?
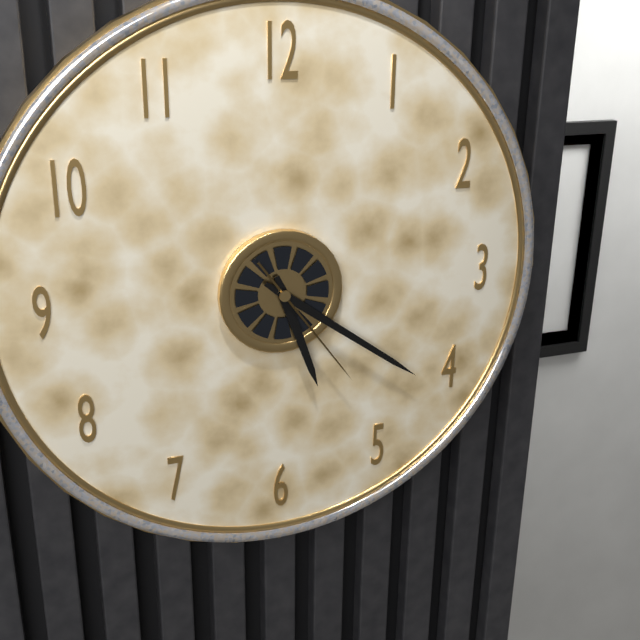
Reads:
h=5 m=21 s=24
